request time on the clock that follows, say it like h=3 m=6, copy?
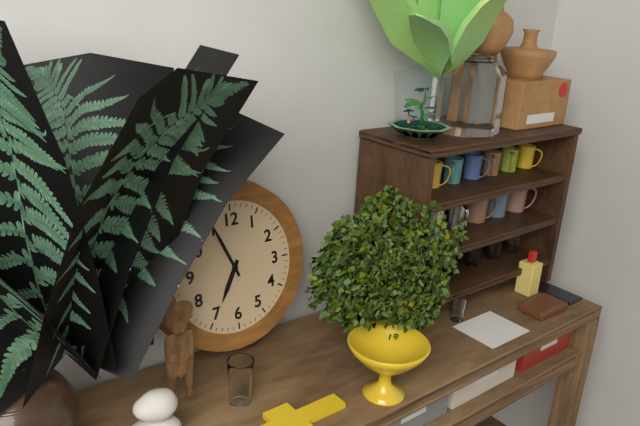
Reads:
h=6 m=56
